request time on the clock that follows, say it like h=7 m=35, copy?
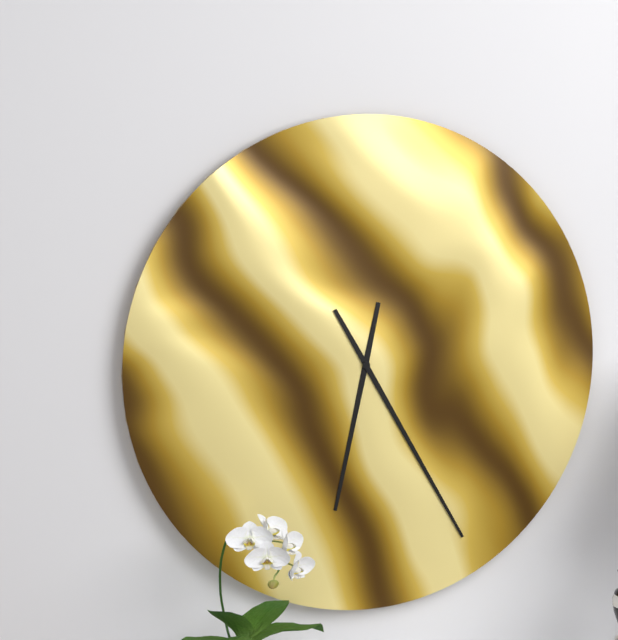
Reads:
h=6 m=25
